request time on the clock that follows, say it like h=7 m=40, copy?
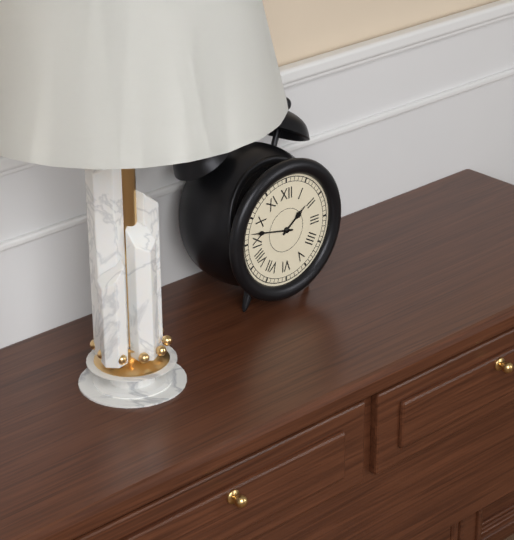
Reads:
h=1 m=47
